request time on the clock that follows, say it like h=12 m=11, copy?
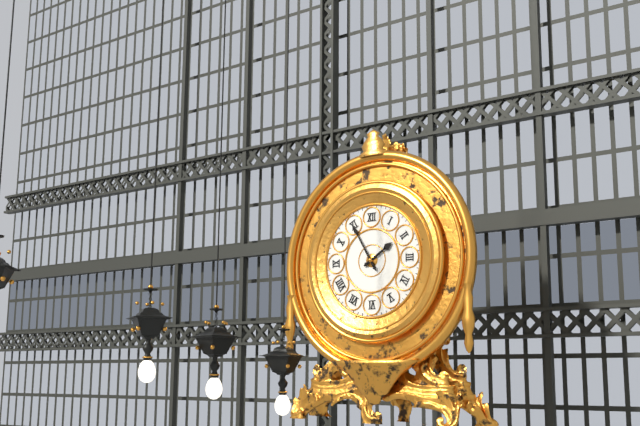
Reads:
h=1 m=55
